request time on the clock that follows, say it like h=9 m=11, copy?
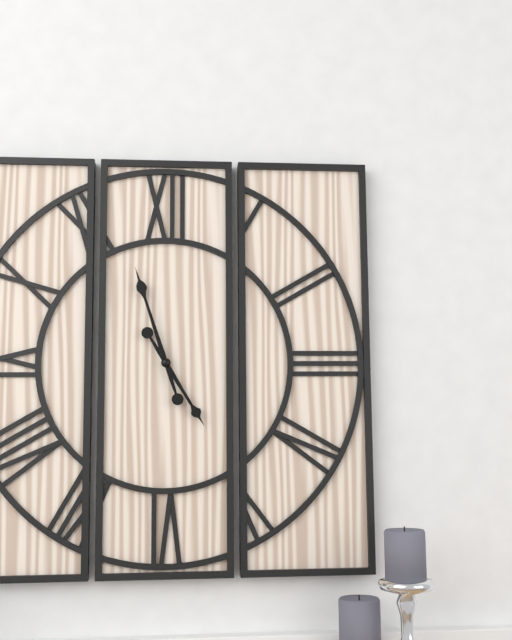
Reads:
h=4 m=57
